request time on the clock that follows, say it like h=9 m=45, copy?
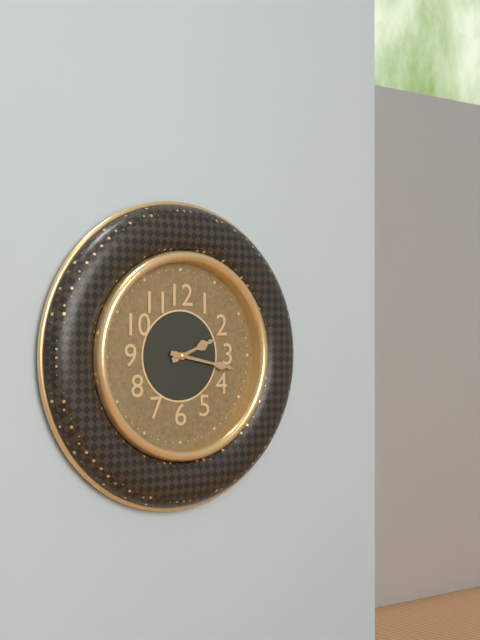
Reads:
h=2 m=17
